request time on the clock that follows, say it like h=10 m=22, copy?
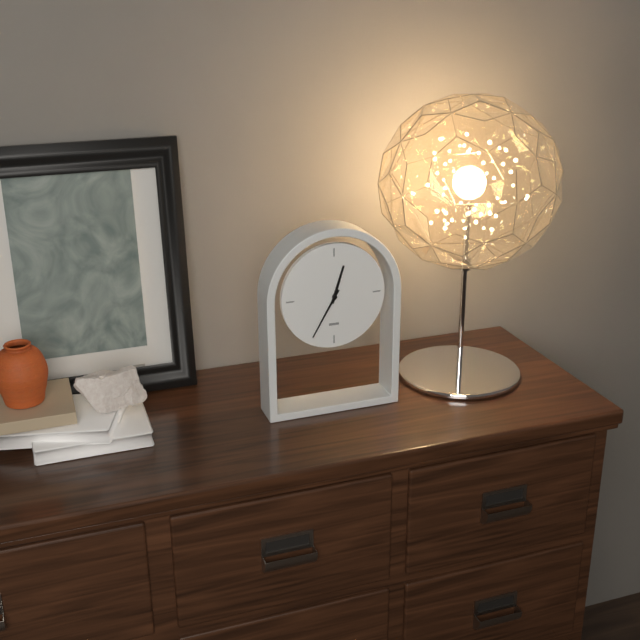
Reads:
h=12 m=35
